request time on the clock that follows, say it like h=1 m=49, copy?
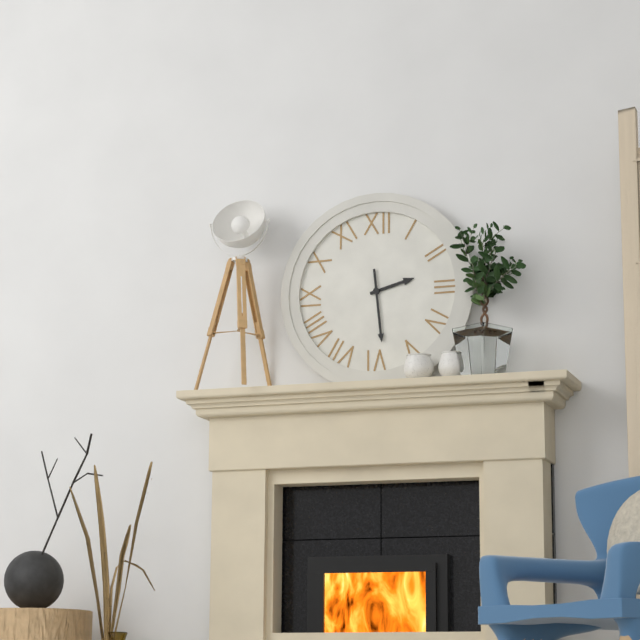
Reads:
h=2 m=29
